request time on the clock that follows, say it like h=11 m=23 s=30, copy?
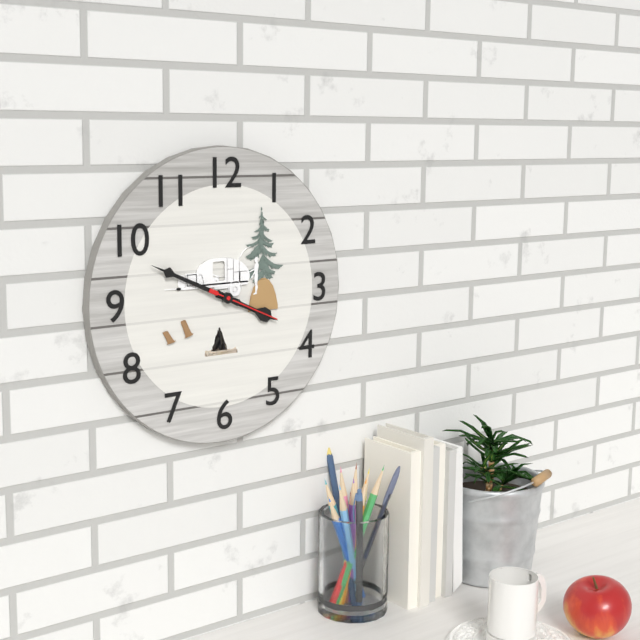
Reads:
h=3 m=49 s=19
